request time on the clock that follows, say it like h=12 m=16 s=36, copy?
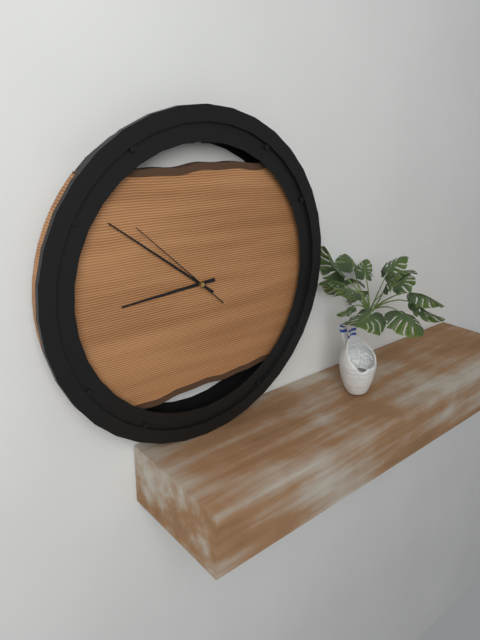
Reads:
h=8 m=51 s=52
